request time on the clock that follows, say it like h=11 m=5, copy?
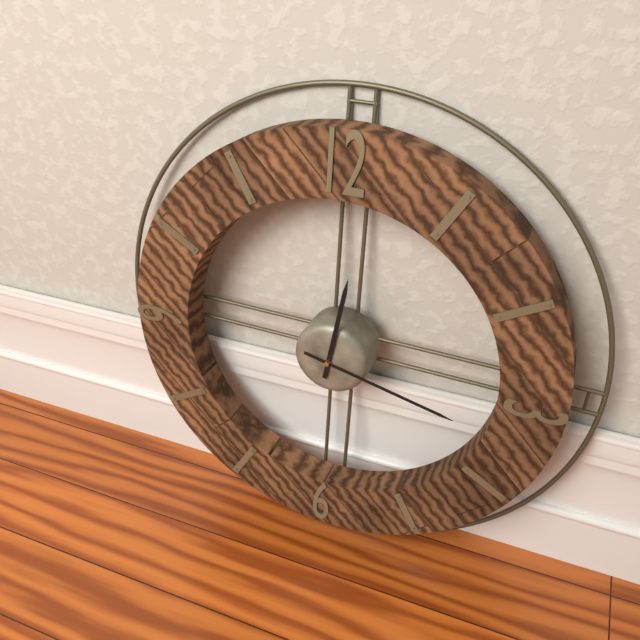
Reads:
h=12 m=17
